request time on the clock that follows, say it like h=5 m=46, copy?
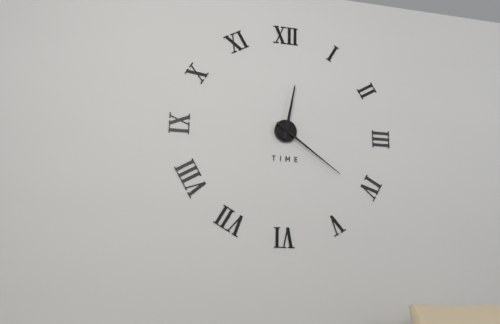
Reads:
h=12 m=21
